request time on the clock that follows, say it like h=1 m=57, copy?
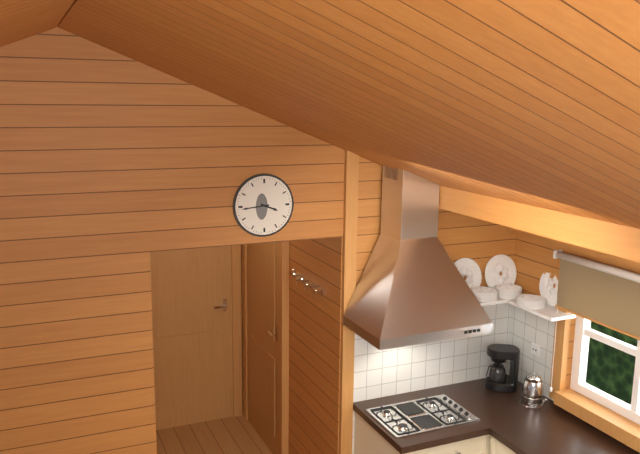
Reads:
h=3 m=44
